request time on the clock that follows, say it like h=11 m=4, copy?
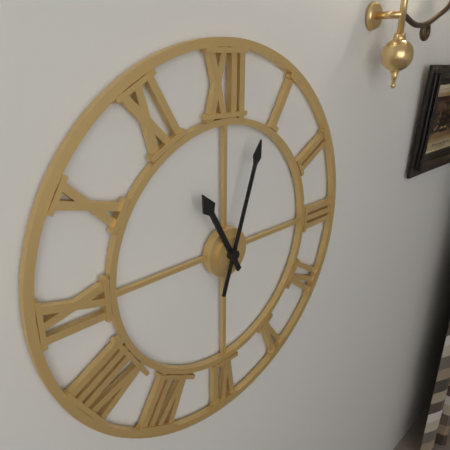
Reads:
h=11 m=3
